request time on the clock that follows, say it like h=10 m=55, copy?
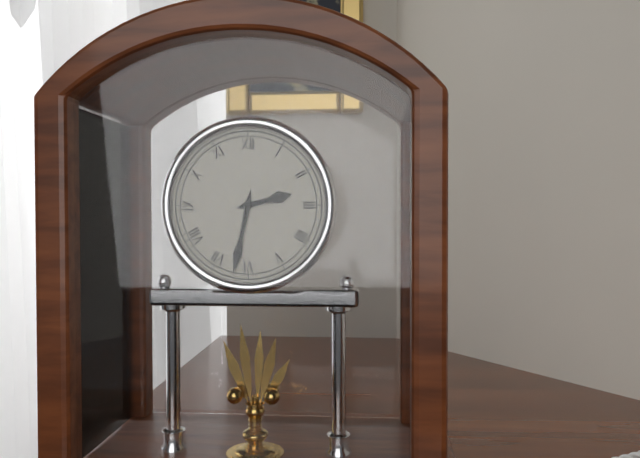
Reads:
h=2 m=32
